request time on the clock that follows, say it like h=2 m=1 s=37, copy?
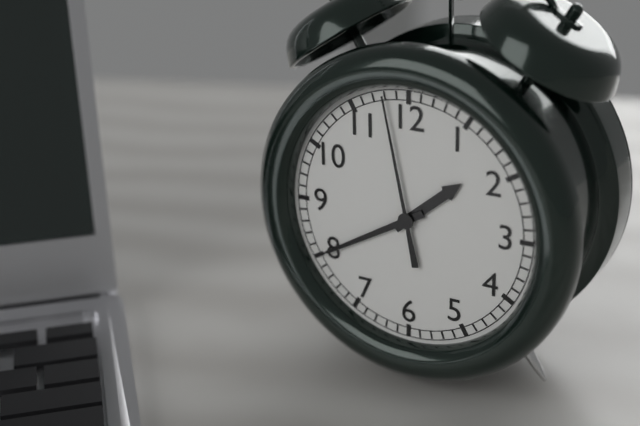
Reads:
h=1 m=40 s=58
